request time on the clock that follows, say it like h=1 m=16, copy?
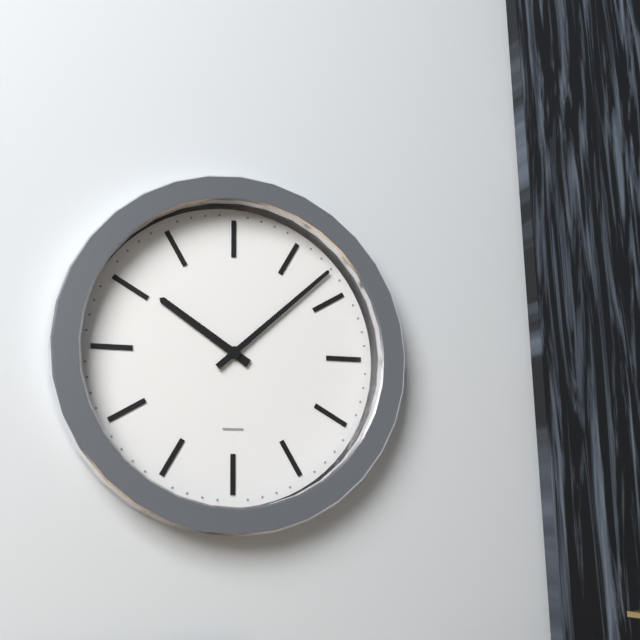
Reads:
h=10 m=8
